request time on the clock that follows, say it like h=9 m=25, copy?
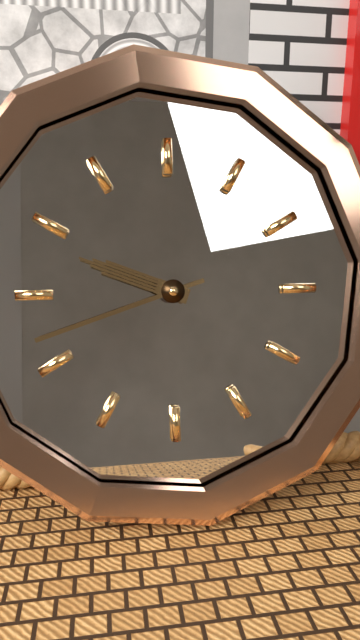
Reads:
h=9 m=42
